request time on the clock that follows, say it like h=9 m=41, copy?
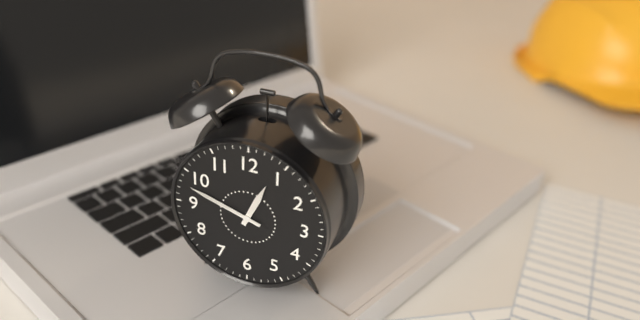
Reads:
h=12 m=48
